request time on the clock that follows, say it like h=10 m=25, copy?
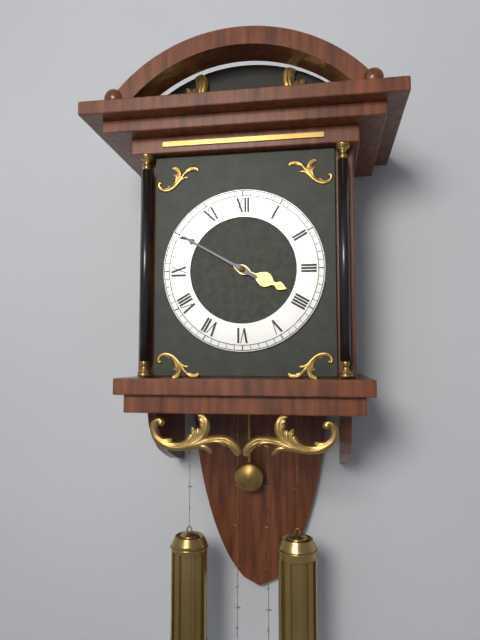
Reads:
h=3 m=50
